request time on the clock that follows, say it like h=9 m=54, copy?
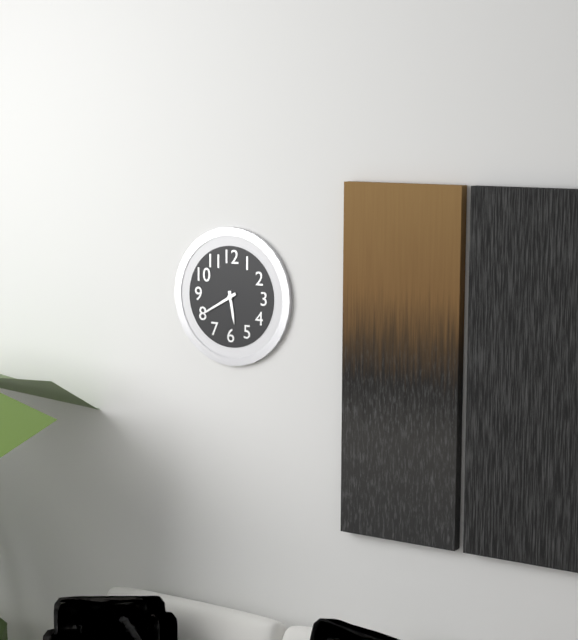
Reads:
h=5 m=40
